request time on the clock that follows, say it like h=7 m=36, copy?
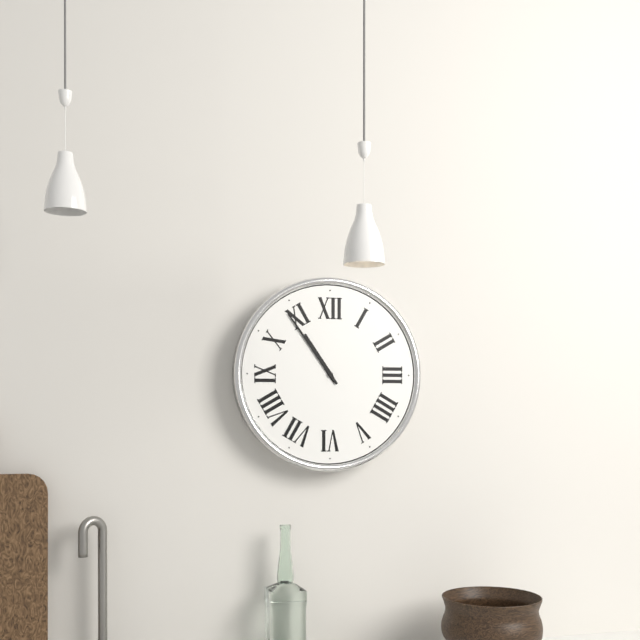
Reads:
h=10 m=54
